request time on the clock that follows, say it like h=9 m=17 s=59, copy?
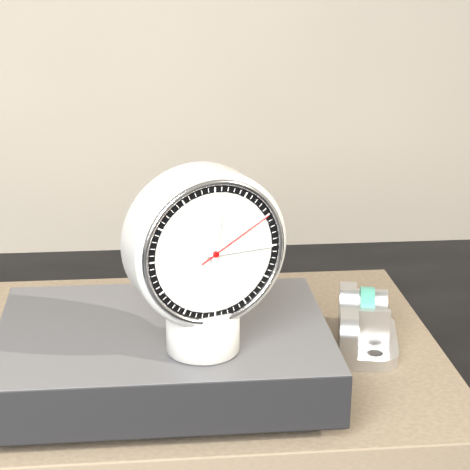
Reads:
h=12 m=15 s=10
